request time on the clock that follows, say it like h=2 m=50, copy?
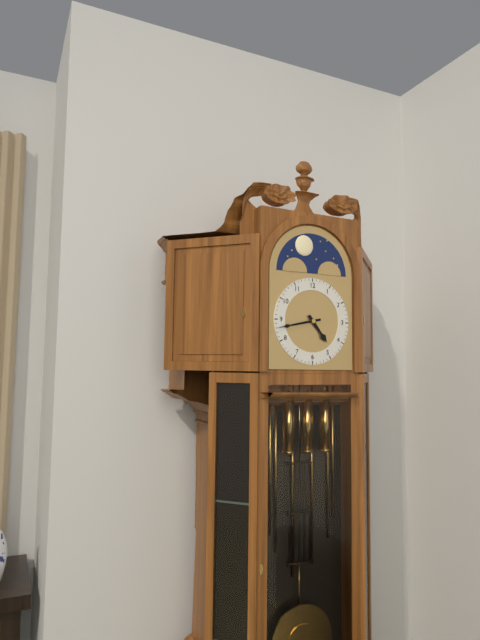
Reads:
h=4 m=43
